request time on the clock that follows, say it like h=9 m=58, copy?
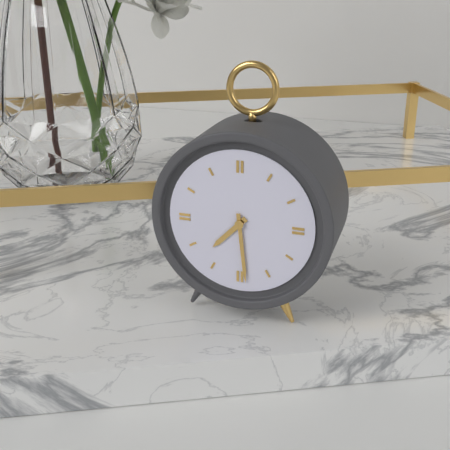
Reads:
h=7 m=29
